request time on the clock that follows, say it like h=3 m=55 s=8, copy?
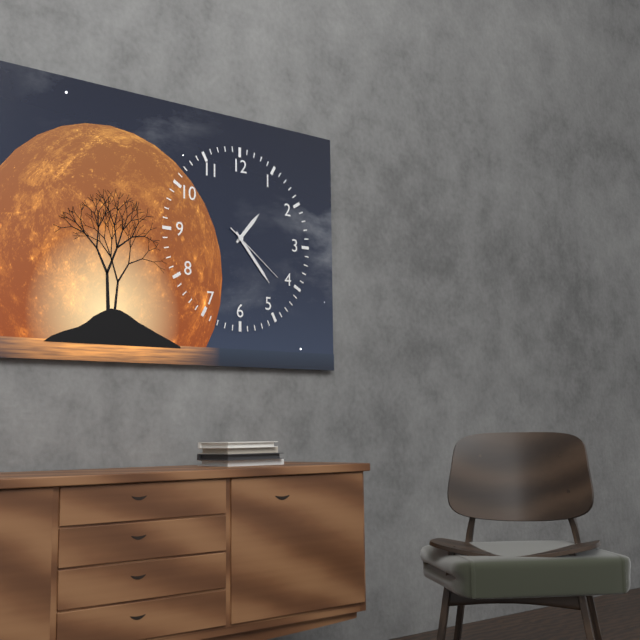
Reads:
h=1 m=23 s=21
